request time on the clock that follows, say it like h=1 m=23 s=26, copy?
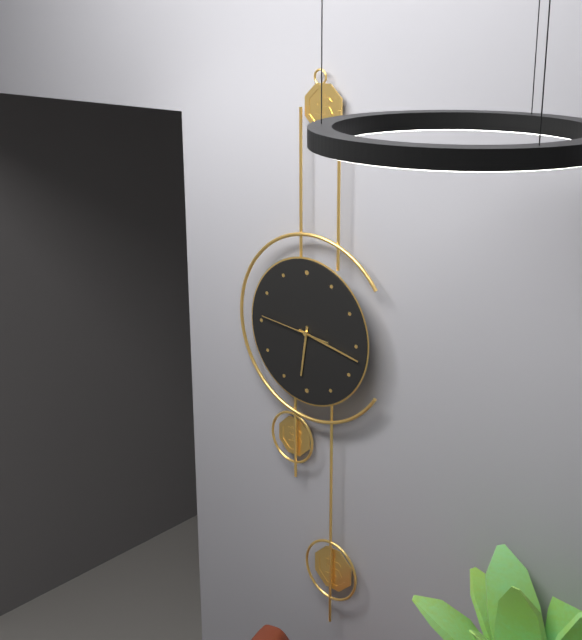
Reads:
h=6 m=17 s=46
